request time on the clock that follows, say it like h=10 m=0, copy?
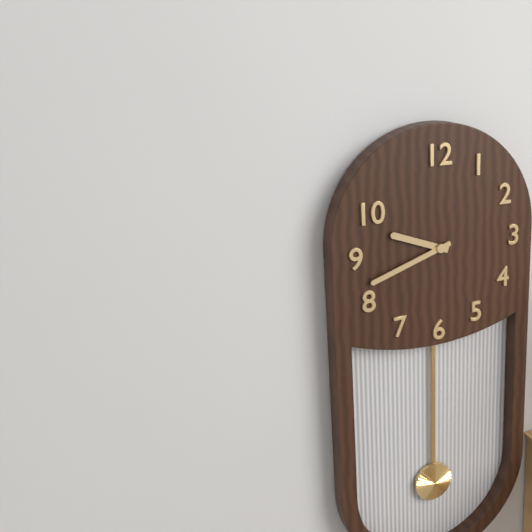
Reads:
h=9 m=42
